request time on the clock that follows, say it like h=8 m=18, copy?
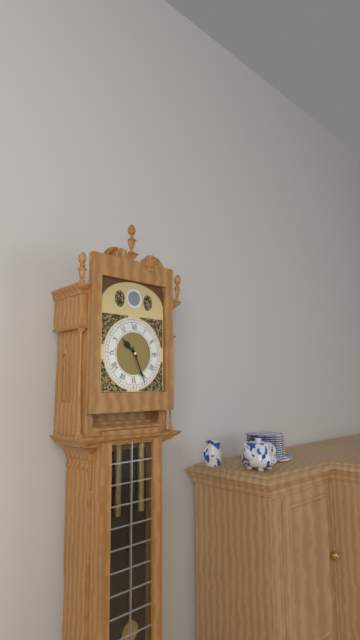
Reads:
h=10 m=26
